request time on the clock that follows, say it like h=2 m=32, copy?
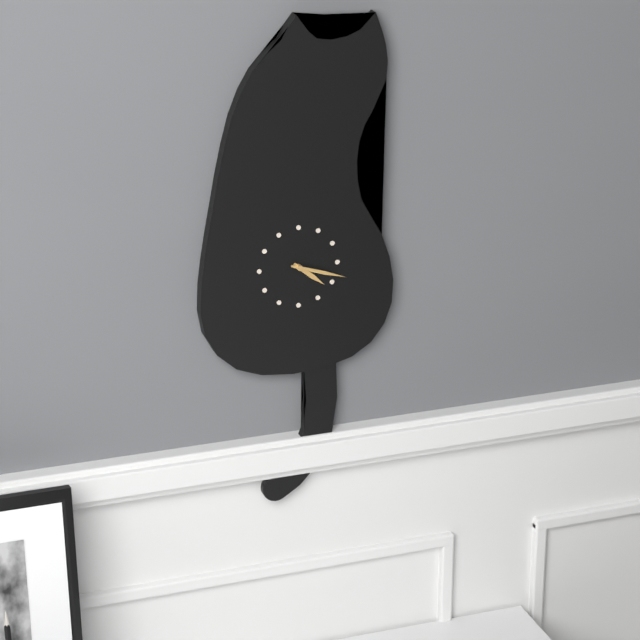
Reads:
h=4 m=18
